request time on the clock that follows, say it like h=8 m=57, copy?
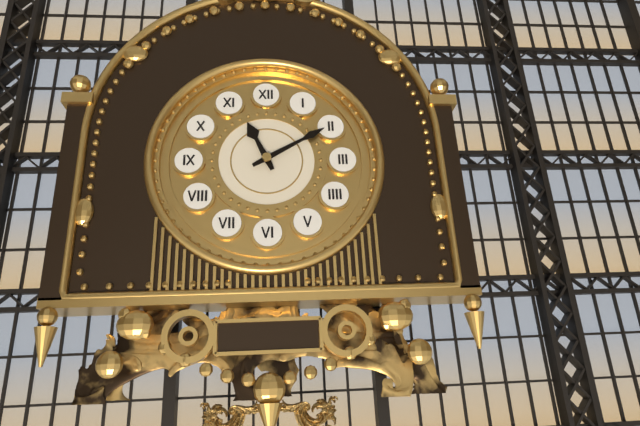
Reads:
h=11 m=10
